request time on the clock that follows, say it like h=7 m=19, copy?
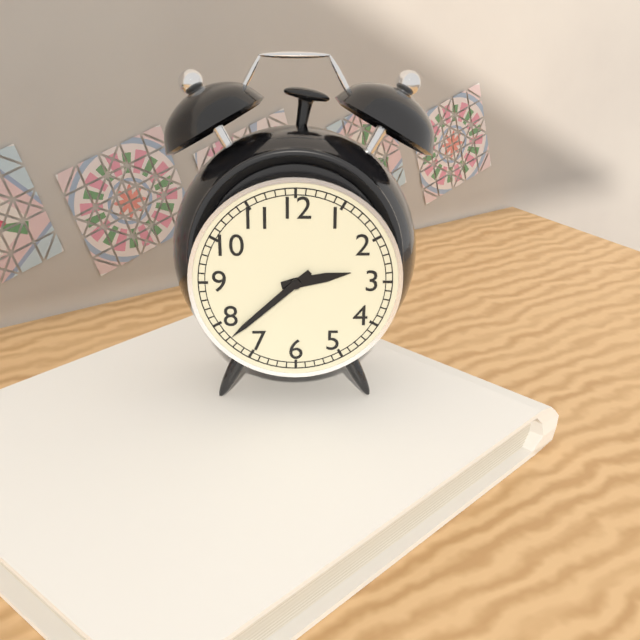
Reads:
h=2 m=38
